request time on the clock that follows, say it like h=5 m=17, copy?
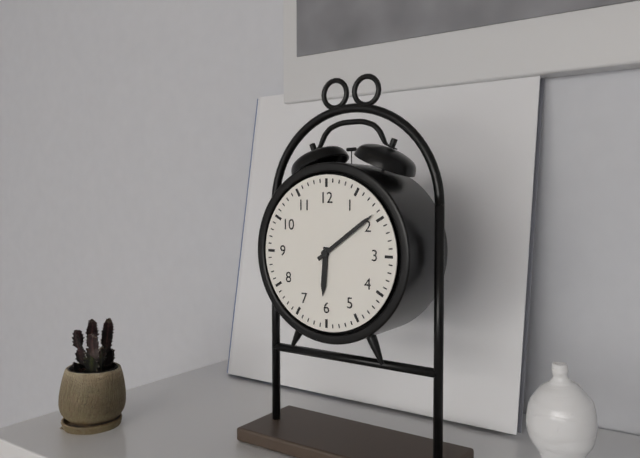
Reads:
h=6 m=9
